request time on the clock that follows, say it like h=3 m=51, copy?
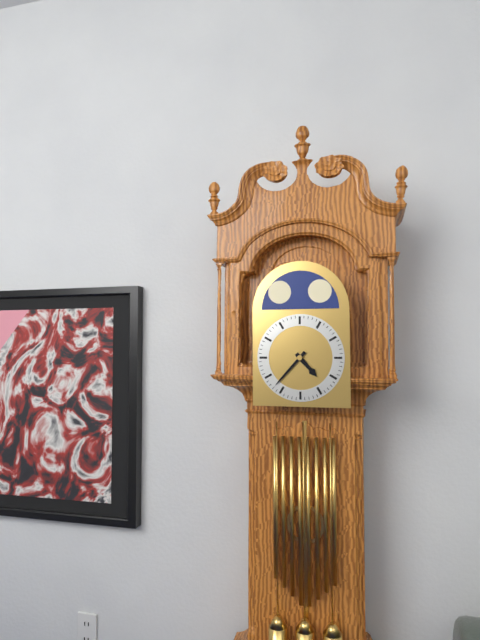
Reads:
h=4 m=37
